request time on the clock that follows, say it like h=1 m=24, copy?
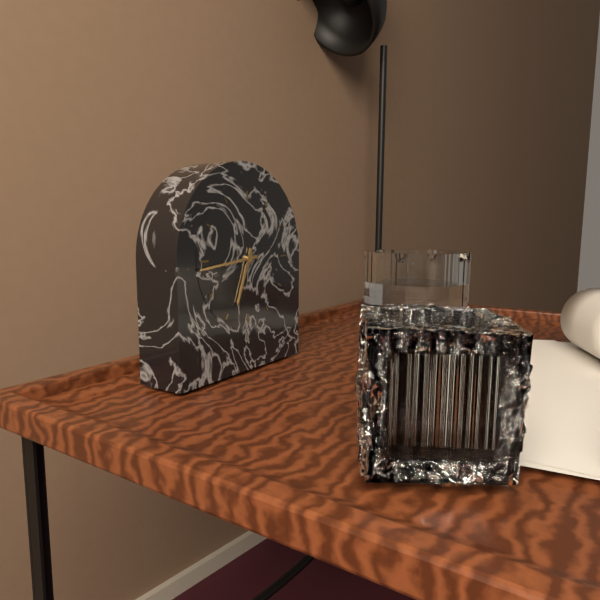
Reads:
h=6 m=44
